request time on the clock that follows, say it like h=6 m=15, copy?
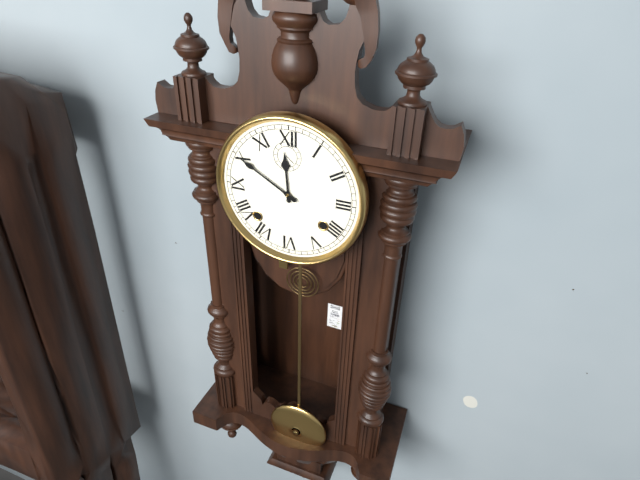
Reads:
h=11 m=50
